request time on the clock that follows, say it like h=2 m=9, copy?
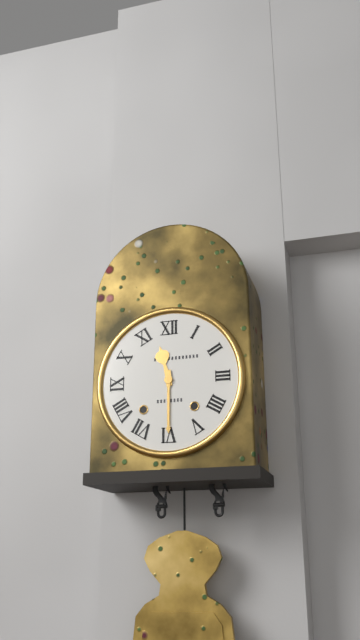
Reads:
h=11 m=30
